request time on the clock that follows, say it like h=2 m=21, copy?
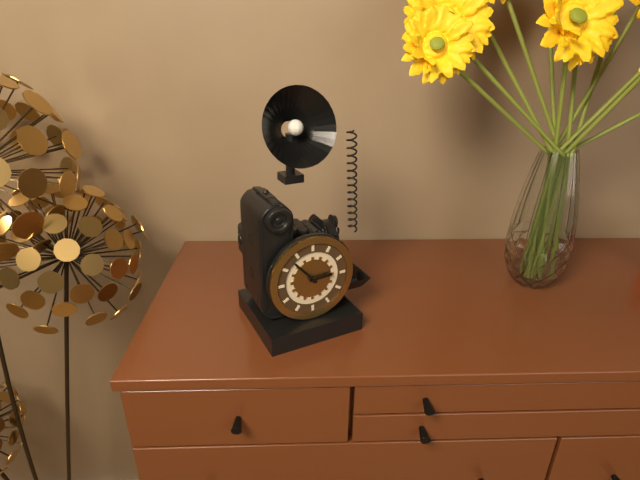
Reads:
h=2 m=53
